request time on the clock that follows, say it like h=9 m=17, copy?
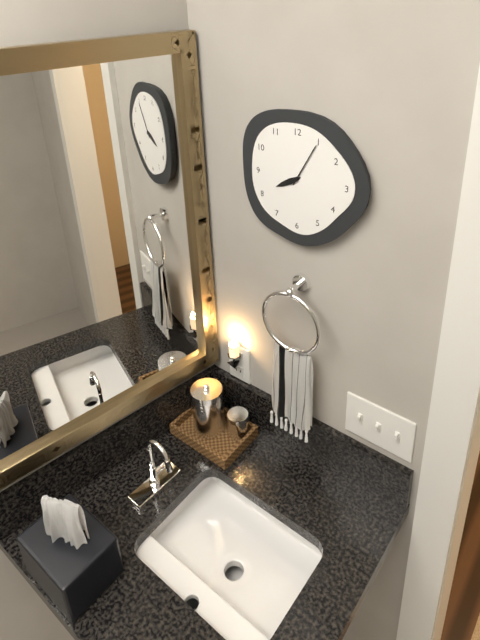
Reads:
h=8 m=5
